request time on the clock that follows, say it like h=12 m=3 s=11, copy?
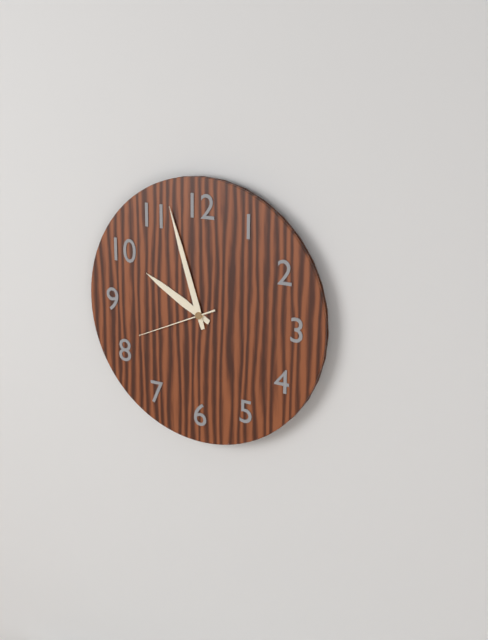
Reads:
h=9 m=57 s=41
